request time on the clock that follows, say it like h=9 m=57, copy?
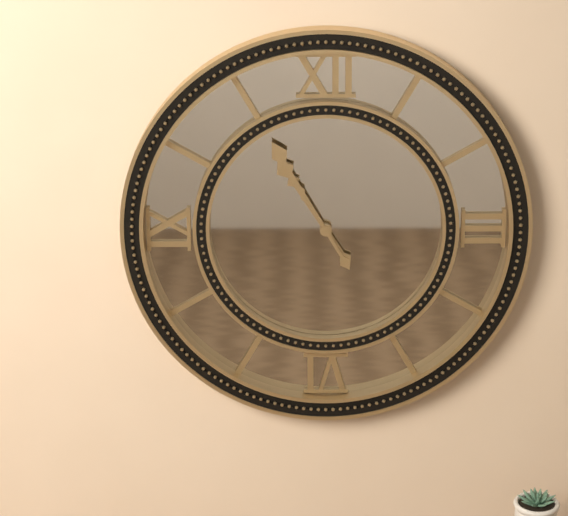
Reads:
h=10 m=55
